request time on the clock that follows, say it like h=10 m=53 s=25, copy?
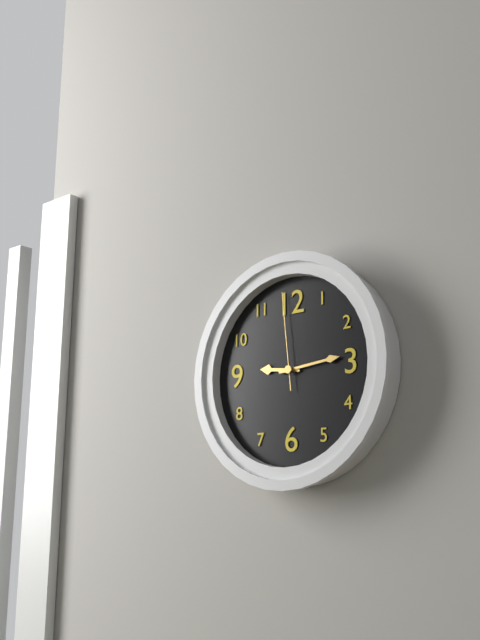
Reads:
h=9 m=14 s=59
